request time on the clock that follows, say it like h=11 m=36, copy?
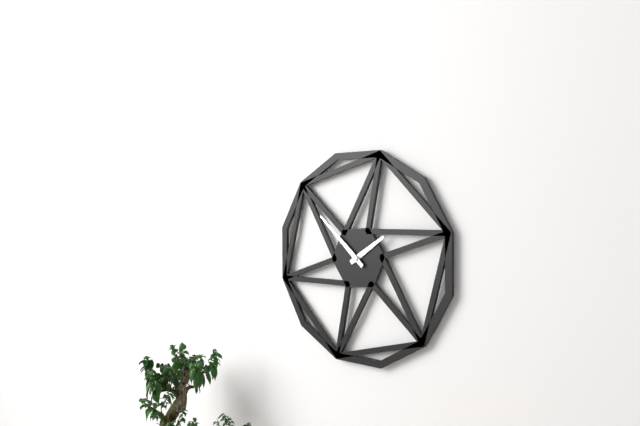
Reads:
h=1 m=52
